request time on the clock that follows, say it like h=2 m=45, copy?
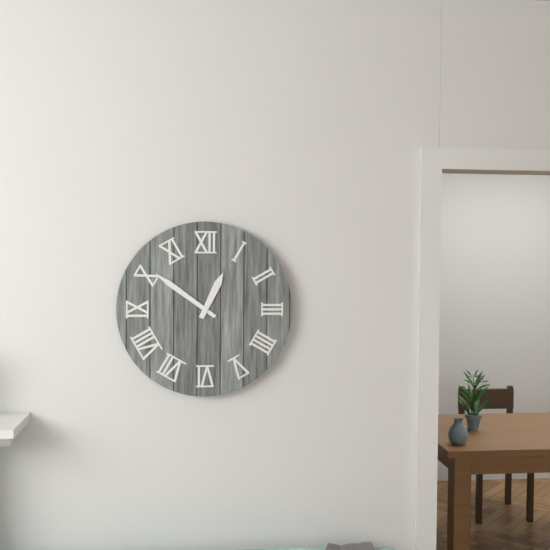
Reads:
h=12 m=51
